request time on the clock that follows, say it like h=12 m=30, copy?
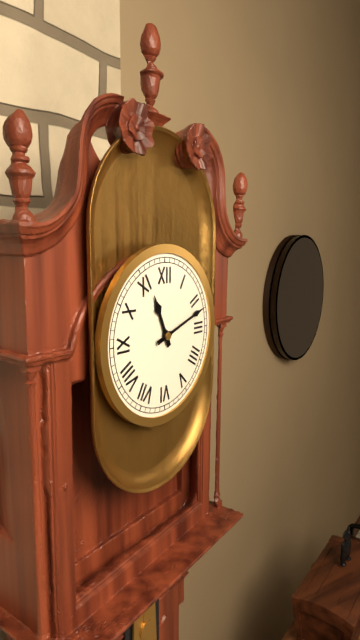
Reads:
h=11 m=12
